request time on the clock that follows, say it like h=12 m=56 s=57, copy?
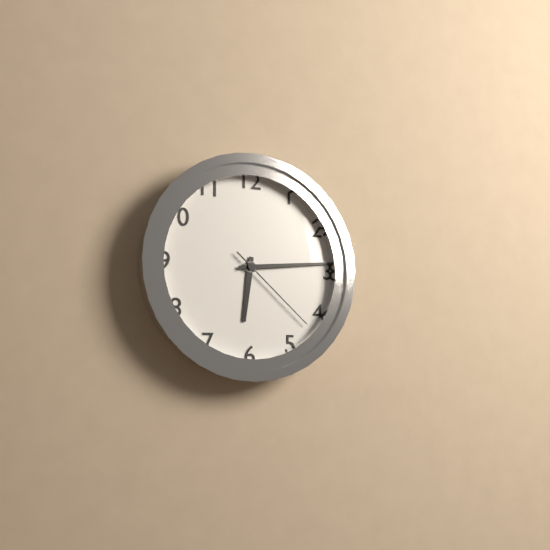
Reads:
h=6 m=14 s=22
